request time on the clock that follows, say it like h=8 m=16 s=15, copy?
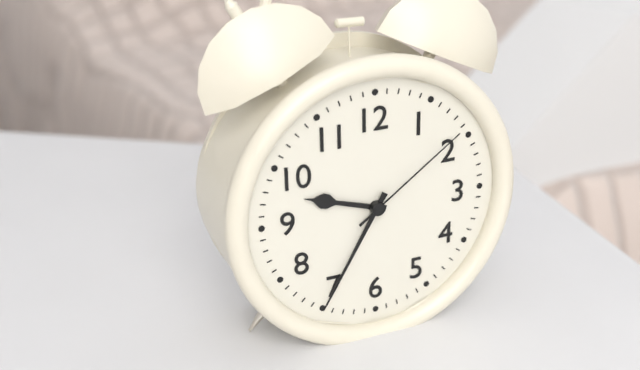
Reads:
h=9 m=35 s=9
